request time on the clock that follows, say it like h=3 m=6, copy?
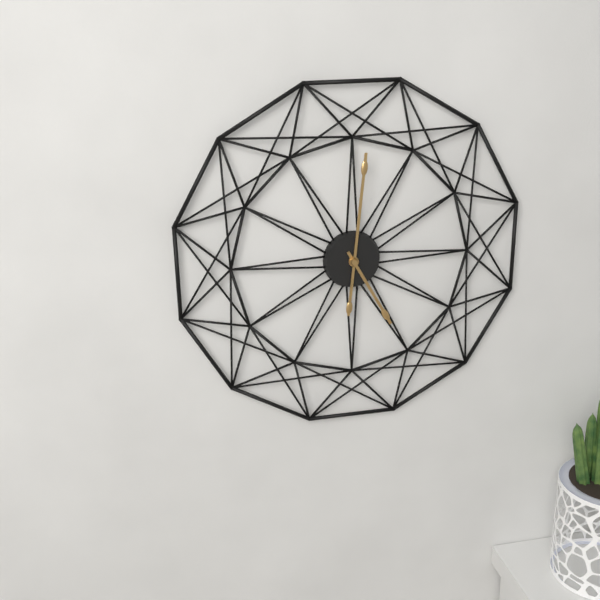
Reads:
h=5 m=1
